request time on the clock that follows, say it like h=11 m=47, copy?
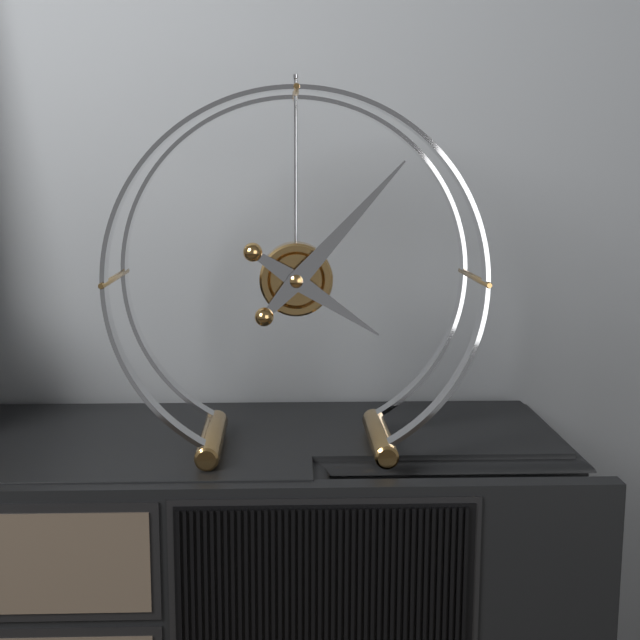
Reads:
h=4 m=7
